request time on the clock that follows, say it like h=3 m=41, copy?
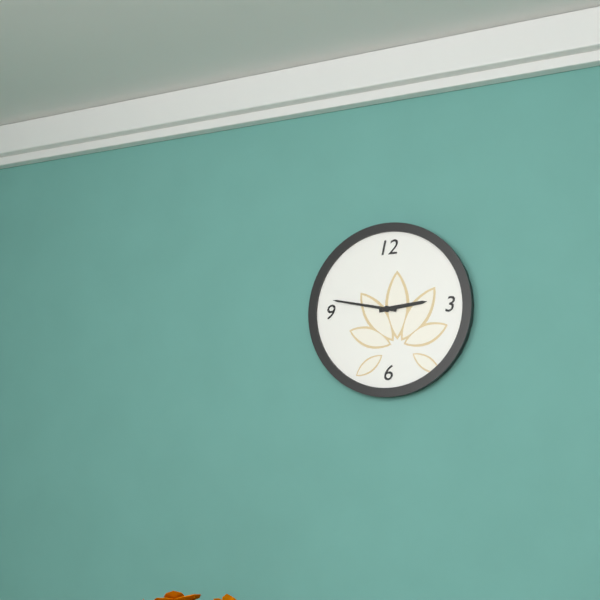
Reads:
h=2 m=47
